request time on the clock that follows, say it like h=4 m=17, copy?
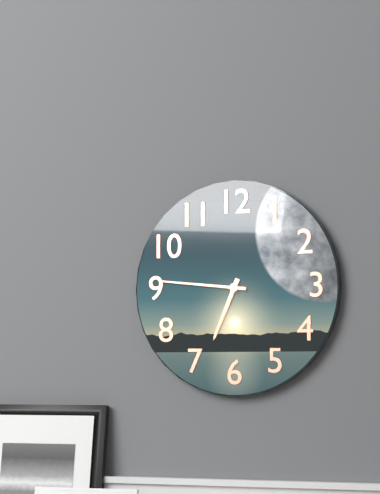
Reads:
h=6 m=46
